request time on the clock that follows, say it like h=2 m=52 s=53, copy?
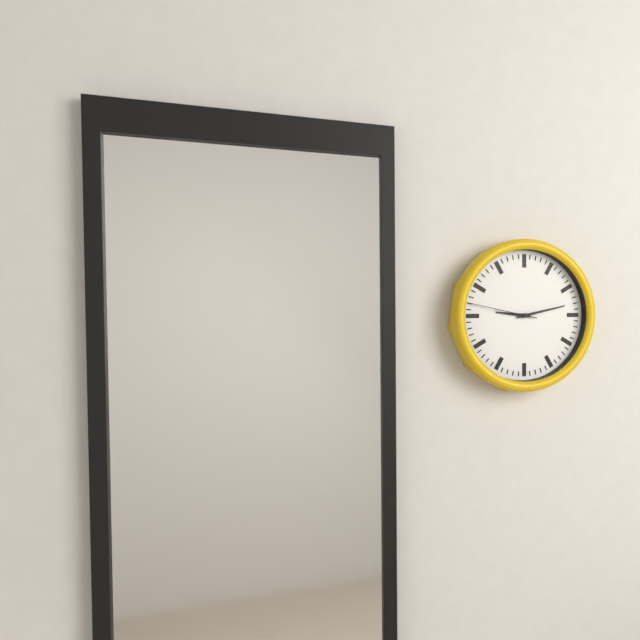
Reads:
h=9 m=13 s=47
